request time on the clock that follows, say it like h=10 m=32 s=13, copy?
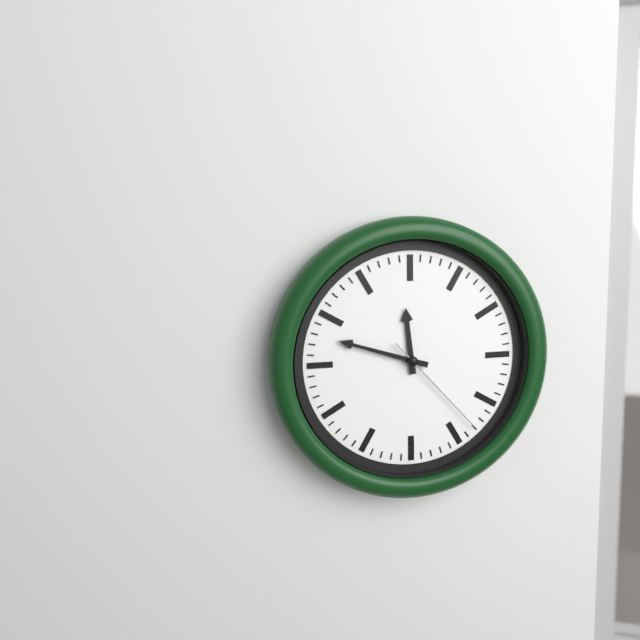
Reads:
h=11 m=48 s=23
